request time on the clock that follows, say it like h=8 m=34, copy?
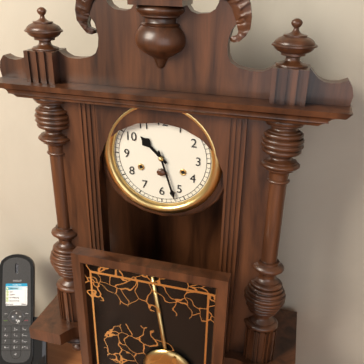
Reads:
h=10 m=27
